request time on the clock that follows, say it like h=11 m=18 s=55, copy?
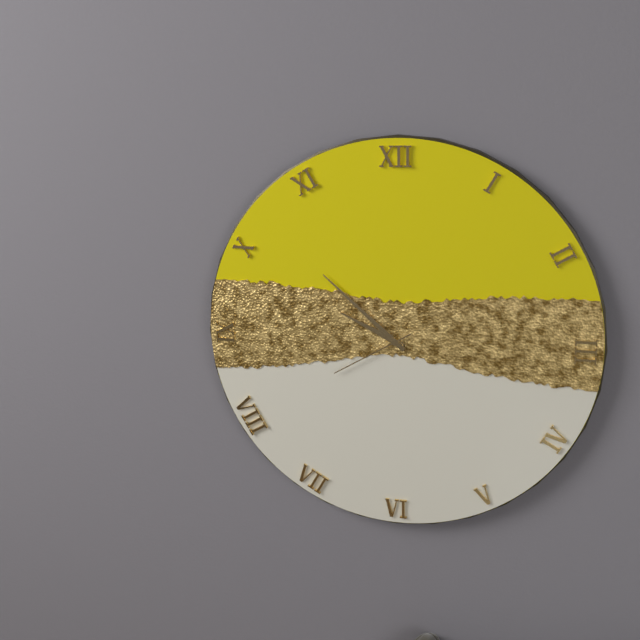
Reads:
h=9 m=52 s=40
